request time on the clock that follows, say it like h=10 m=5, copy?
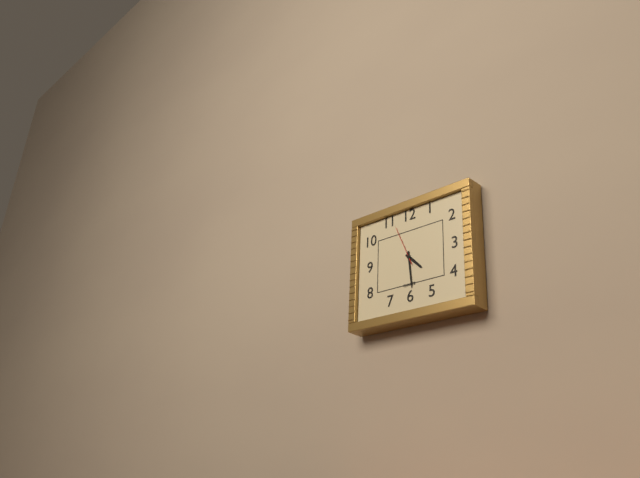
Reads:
h=4 m=29
